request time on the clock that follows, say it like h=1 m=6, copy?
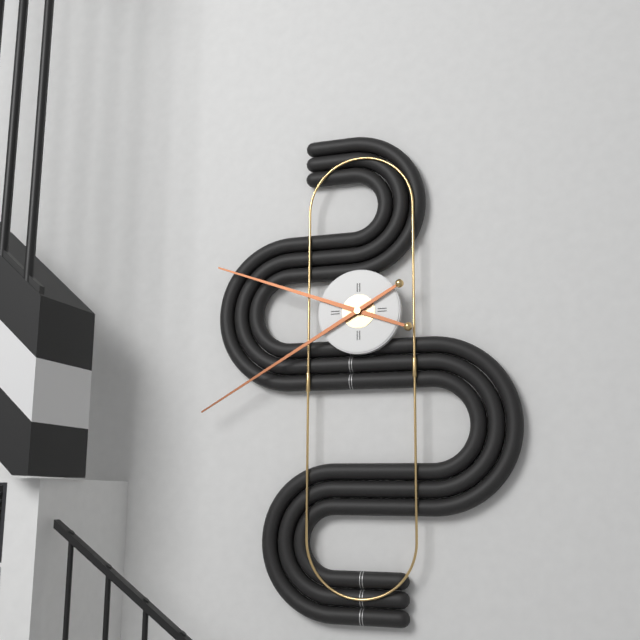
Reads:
h=9 m=40
